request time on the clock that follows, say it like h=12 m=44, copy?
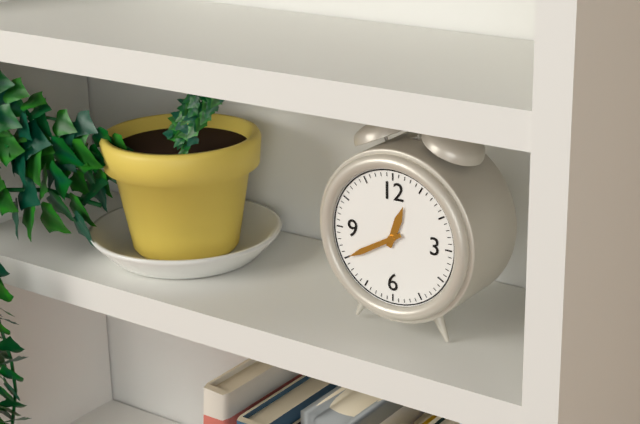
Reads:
h=12 m=40
